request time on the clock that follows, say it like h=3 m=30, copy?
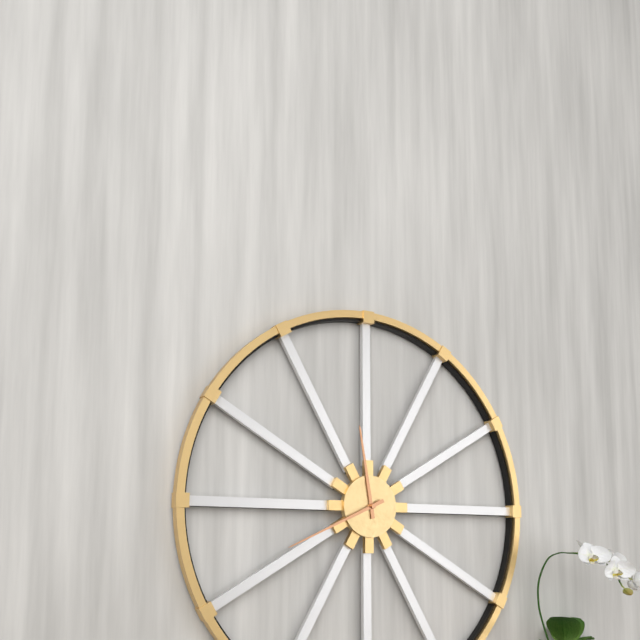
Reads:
h=11 m=41
